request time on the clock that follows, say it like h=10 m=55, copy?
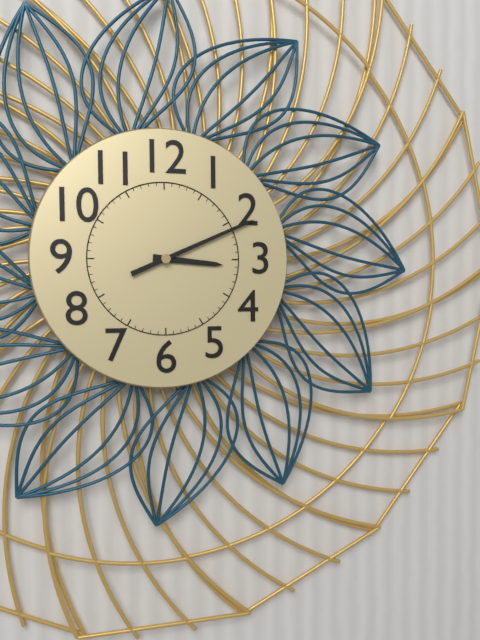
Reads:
h=3 m=11
